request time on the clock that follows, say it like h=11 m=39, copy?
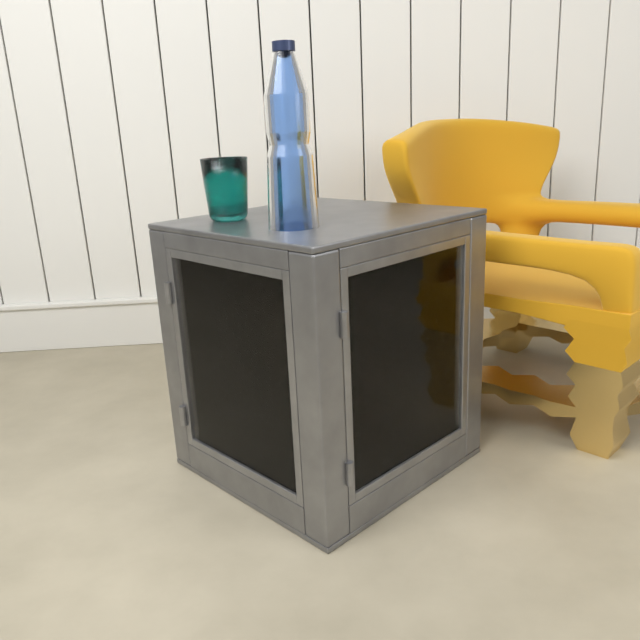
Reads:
h=11 m=42
